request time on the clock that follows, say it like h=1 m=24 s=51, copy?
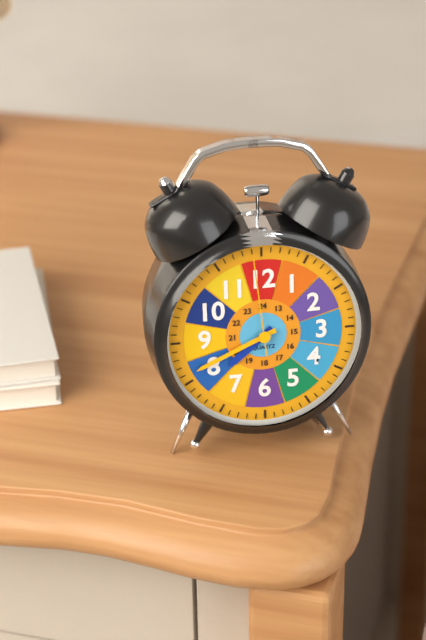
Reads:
h=7 m=41 s=59
